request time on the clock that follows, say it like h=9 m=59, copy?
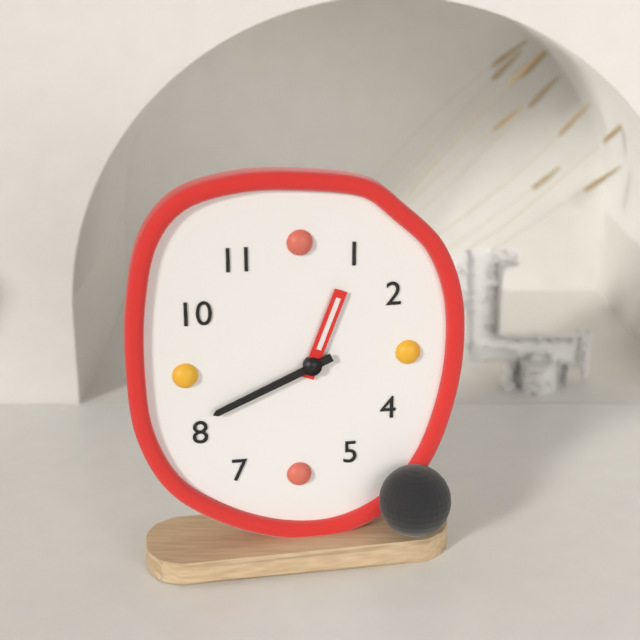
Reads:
h=12 m=41
